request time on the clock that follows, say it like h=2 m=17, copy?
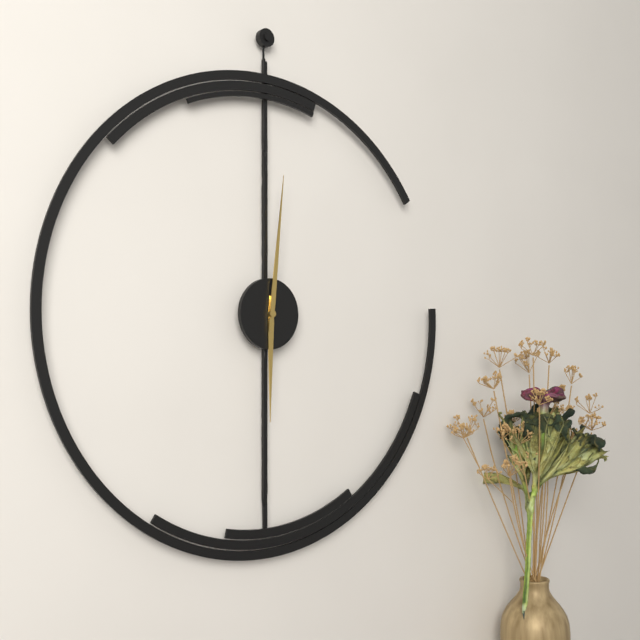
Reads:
h=6 m=1
